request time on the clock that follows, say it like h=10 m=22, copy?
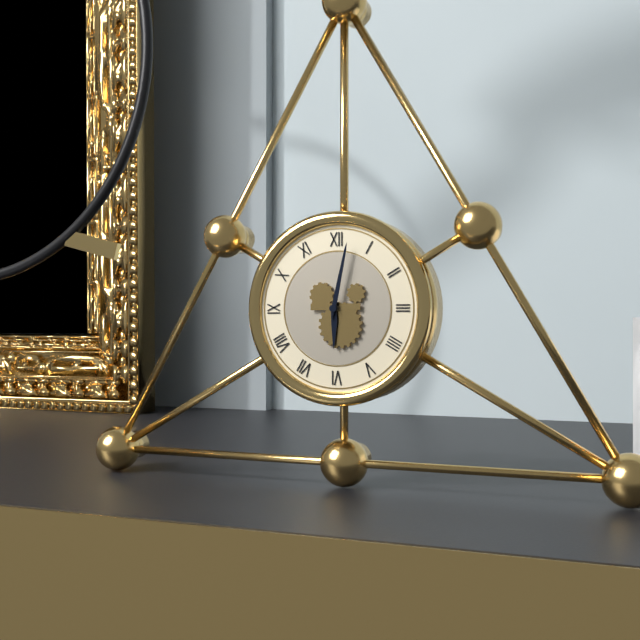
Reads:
h=6 m=2
